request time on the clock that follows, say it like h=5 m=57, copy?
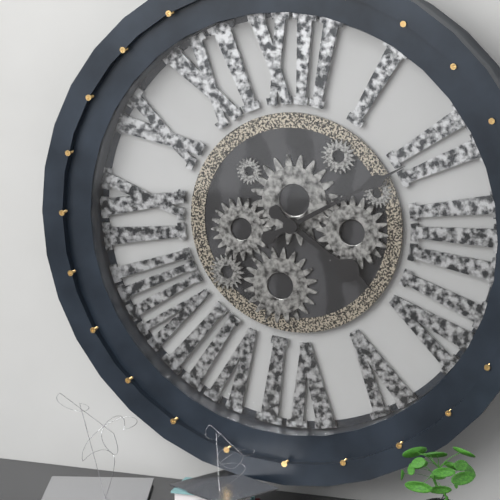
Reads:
h=4 m=10
